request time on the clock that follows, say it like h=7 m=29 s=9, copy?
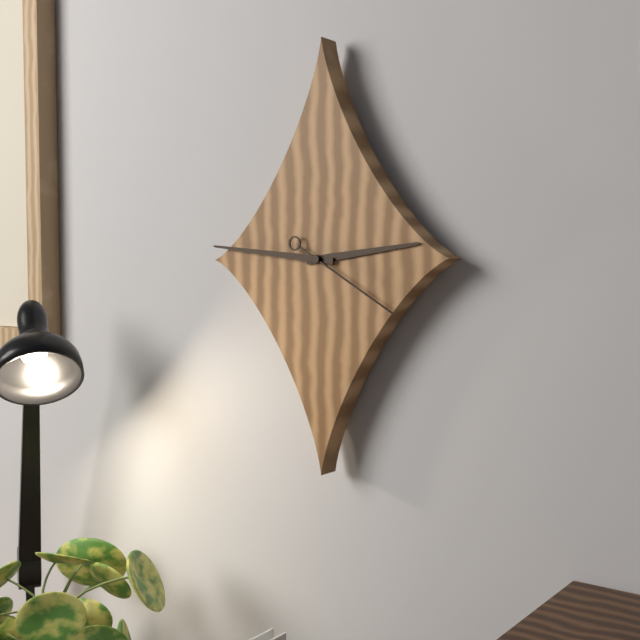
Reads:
h=2 m=46 s=20
